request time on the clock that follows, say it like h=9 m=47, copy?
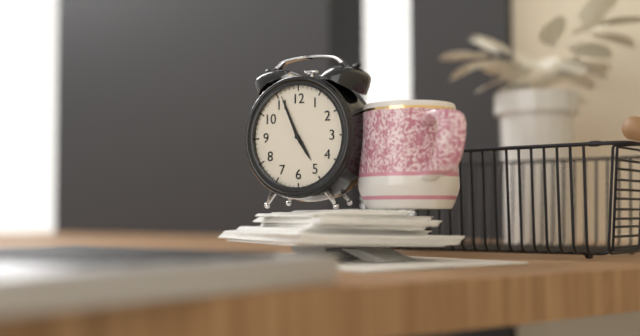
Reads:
h=4 m=56
